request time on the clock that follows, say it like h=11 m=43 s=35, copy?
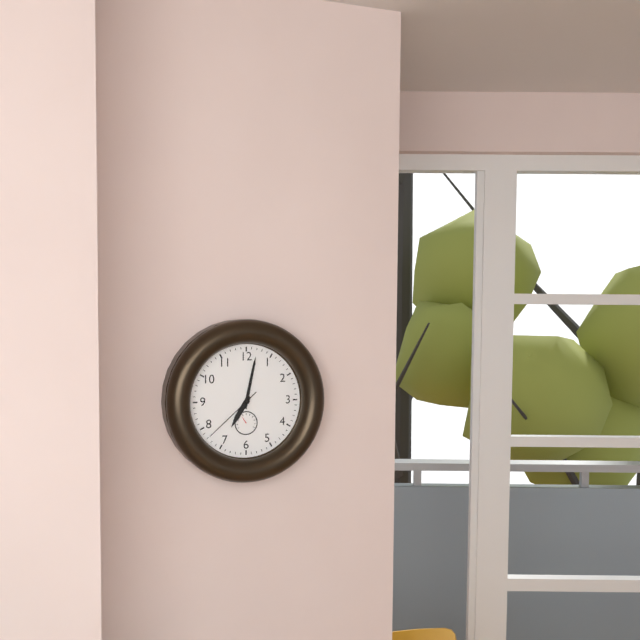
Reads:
h=7 m=2 s=38
